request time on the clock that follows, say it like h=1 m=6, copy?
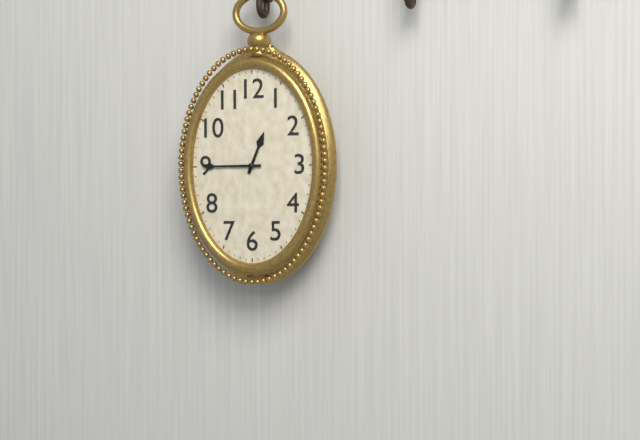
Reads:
h=12 m=45
